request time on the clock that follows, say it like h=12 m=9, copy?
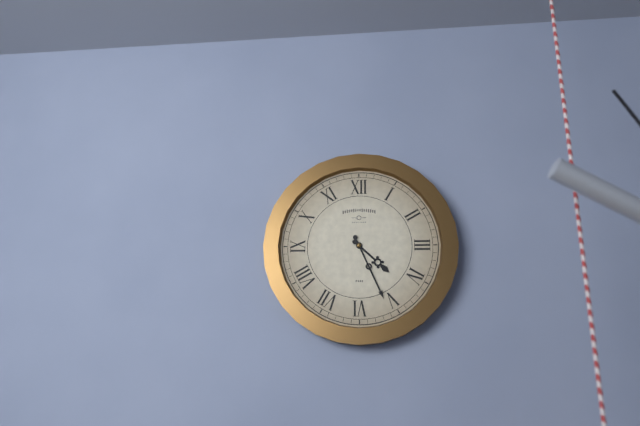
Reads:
h=4 m=26
